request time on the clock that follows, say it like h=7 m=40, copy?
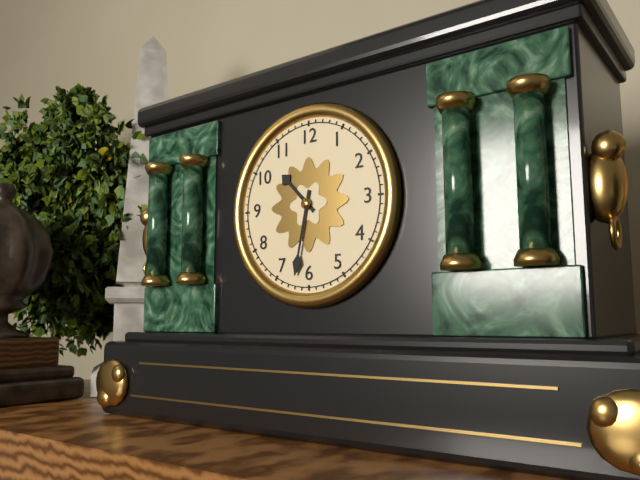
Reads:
h=10 m=32
